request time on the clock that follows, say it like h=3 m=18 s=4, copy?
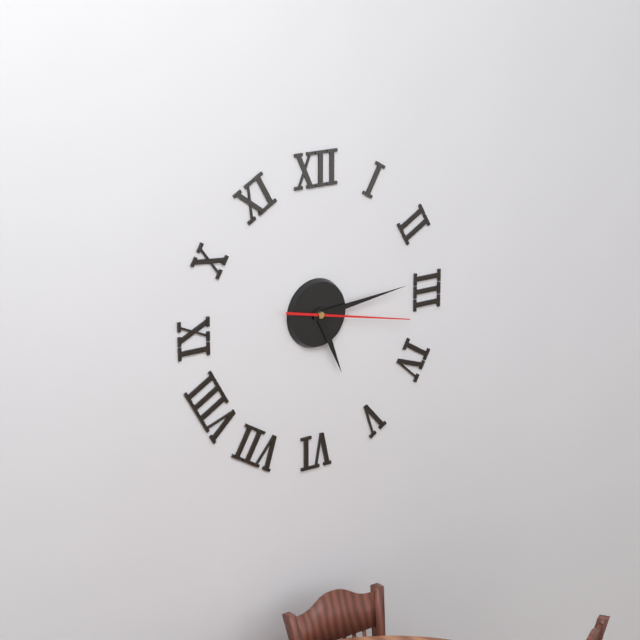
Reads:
h=5 m=14 s=17
